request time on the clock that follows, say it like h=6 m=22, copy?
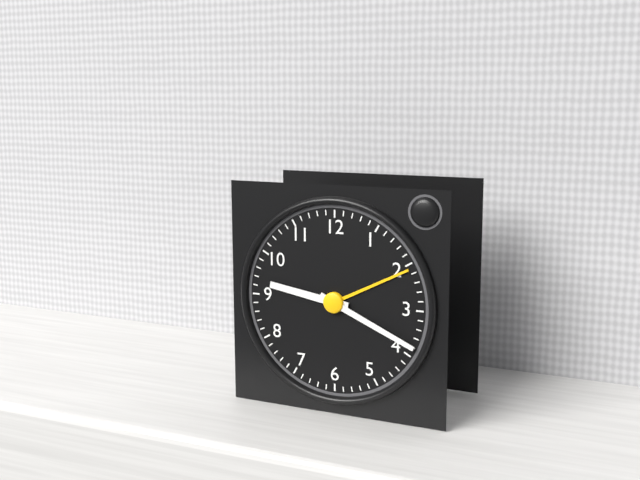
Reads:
h=9 m=19
